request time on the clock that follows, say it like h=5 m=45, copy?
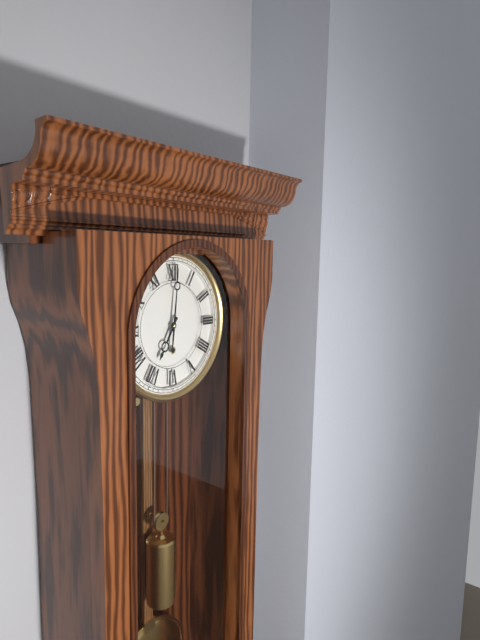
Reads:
h=7 m=1
